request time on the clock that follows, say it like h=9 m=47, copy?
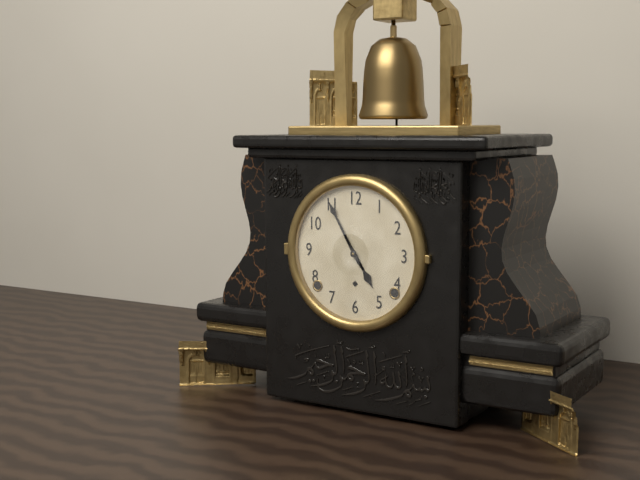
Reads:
h=4 m=55
